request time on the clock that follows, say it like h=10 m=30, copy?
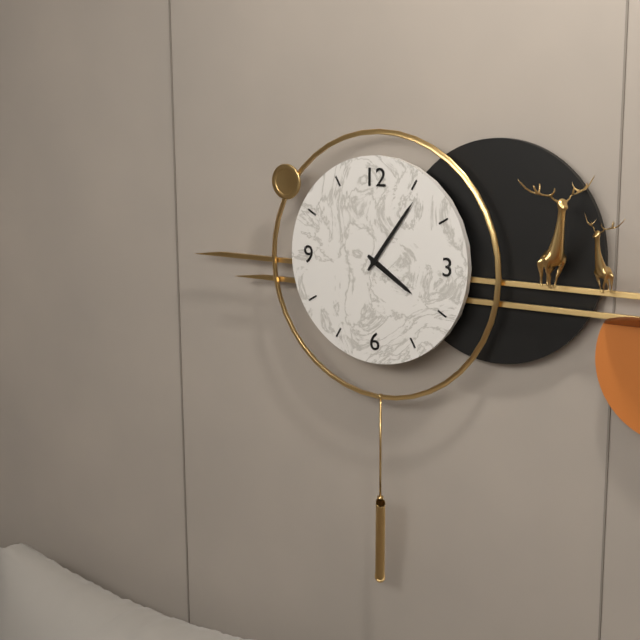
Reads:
h=4 m=6
